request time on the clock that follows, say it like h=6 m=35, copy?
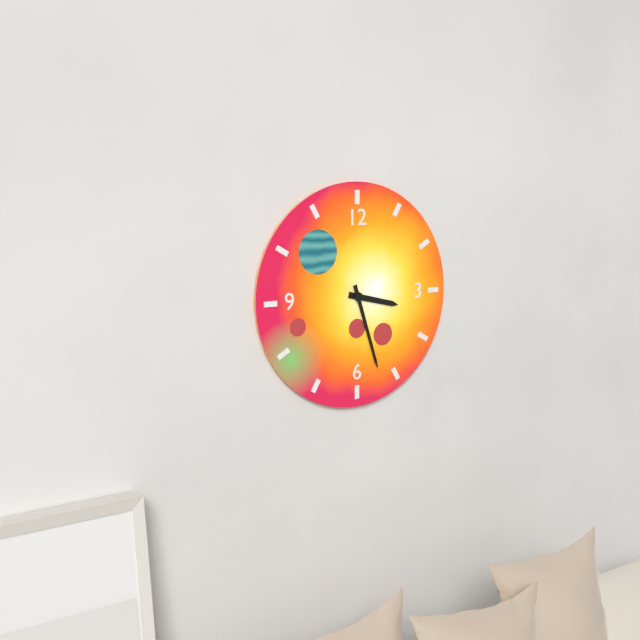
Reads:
h=3 m=27
